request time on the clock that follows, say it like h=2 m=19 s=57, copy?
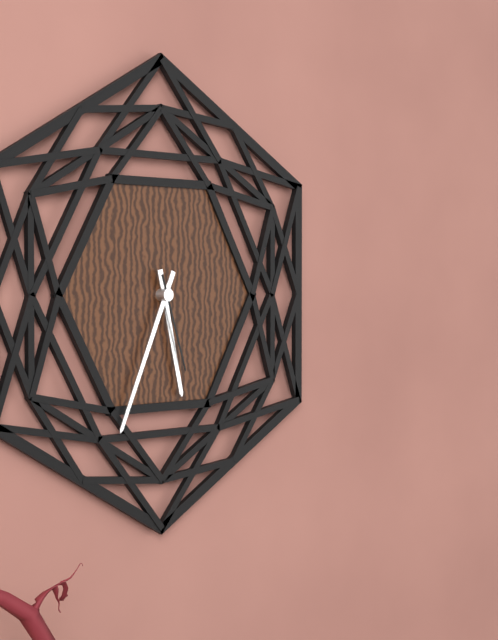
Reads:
h=5 m=34 s=27
